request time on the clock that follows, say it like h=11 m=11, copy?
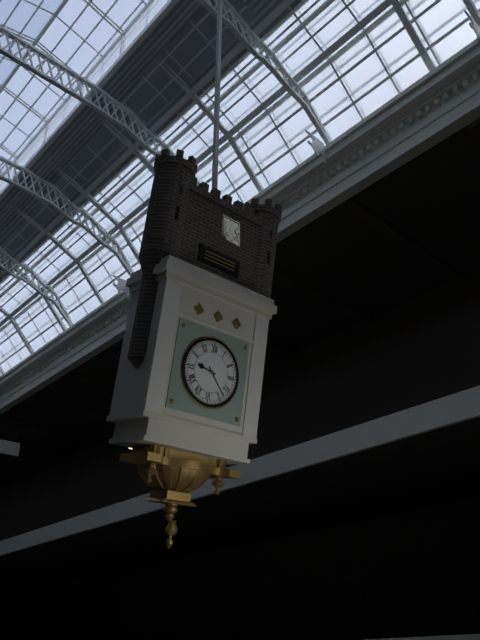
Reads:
h=9 m=23
